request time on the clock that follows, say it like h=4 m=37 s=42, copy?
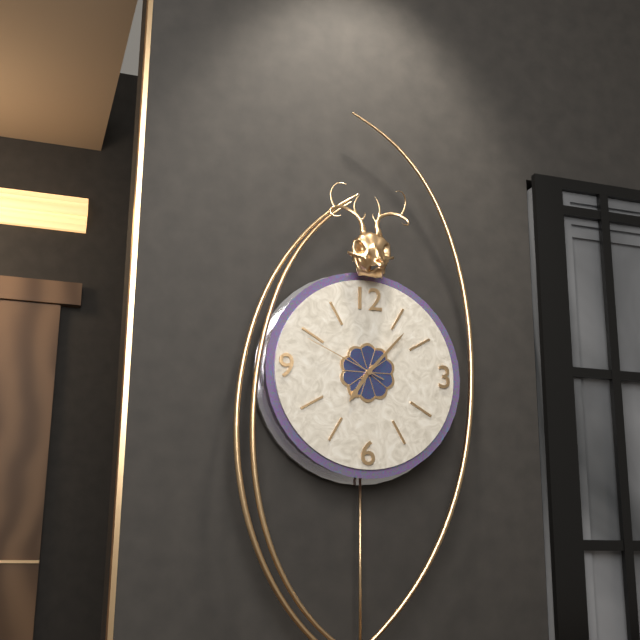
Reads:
h=7 m=7 s=49
